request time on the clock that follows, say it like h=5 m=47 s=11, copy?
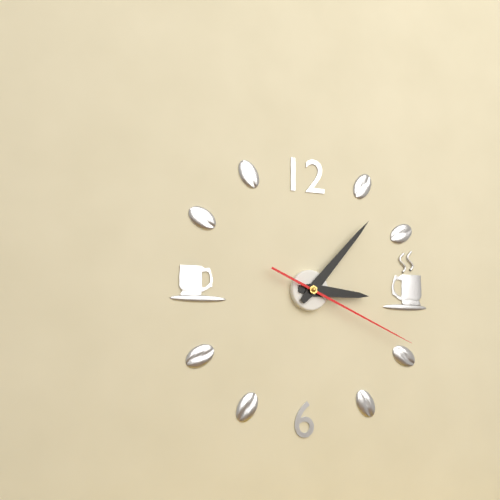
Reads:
h=3 m=7 s=19
